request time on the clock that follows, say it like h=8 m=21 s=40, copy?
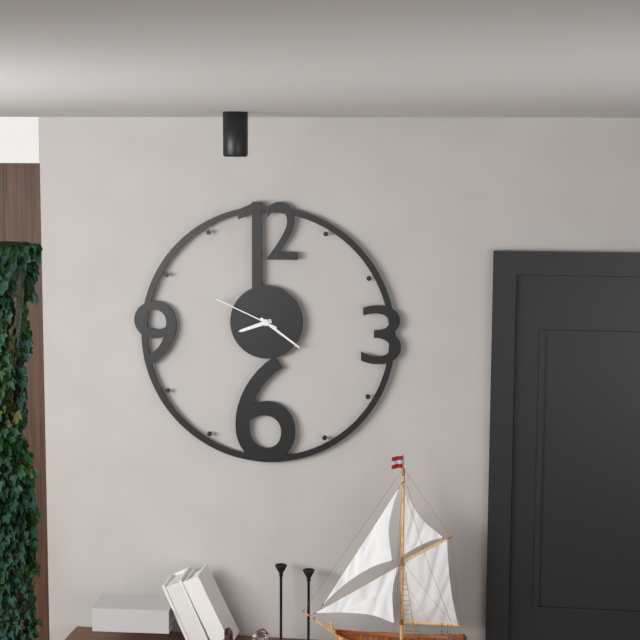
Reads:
h=8 m=21 s=49
